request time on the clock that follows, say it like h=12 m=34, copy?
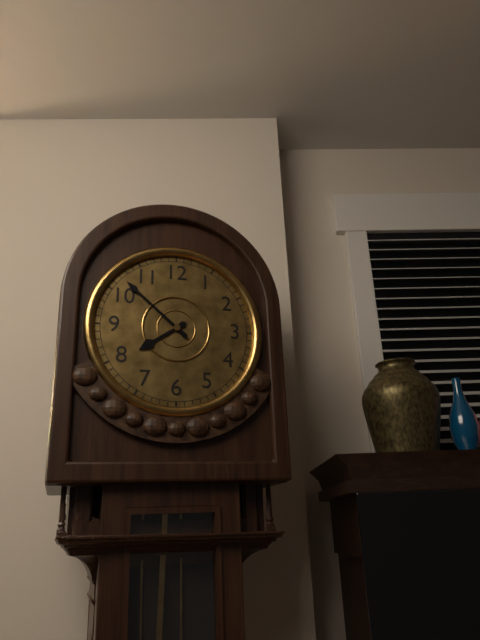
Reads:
h=7 m=52
